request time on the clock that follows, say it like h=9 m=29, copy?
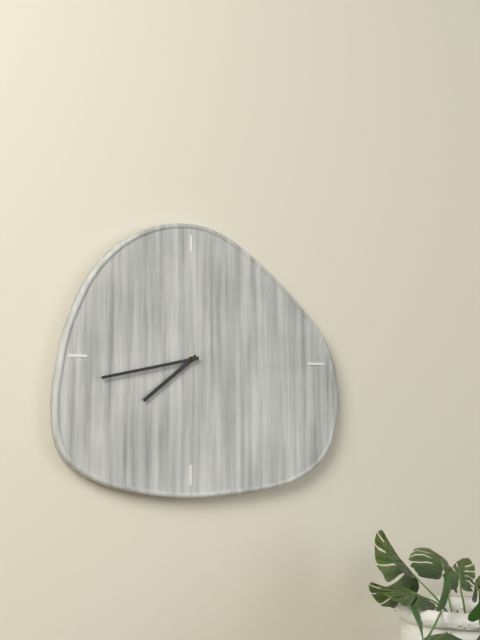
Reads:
h=7 m=43
